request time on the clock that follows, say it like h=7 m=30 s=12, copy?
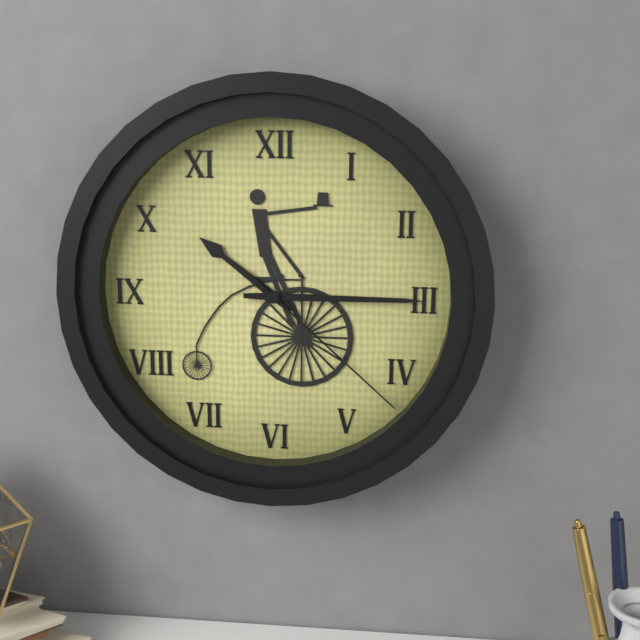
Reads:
h=10 m=15 s=22
